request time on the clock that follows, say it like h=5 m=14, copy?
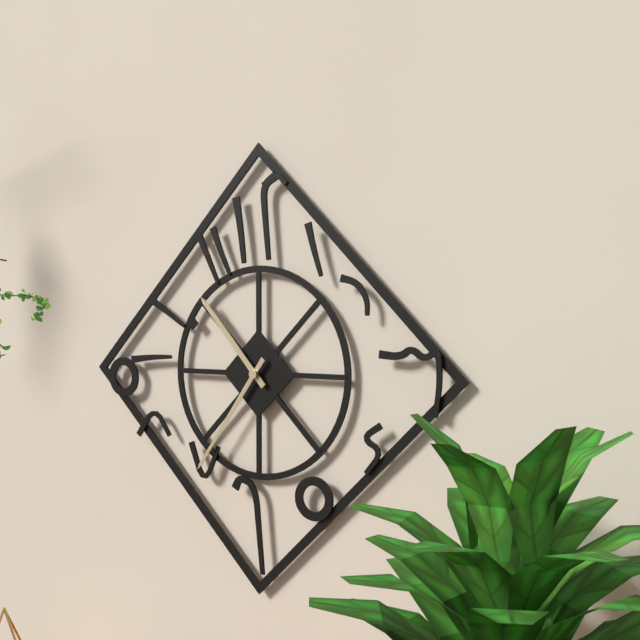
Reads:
h=10 m=36
